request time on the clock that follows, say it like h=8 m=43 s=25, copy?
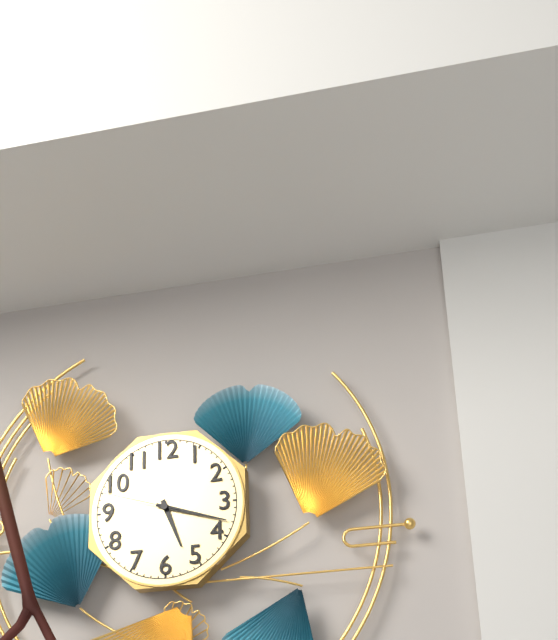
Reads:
h=5 m=18 s=48
